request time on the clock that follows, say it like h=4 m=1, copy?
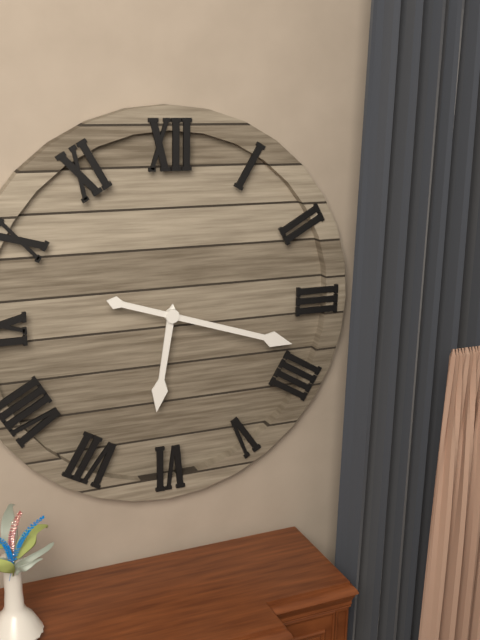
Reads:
h=6 m=18
